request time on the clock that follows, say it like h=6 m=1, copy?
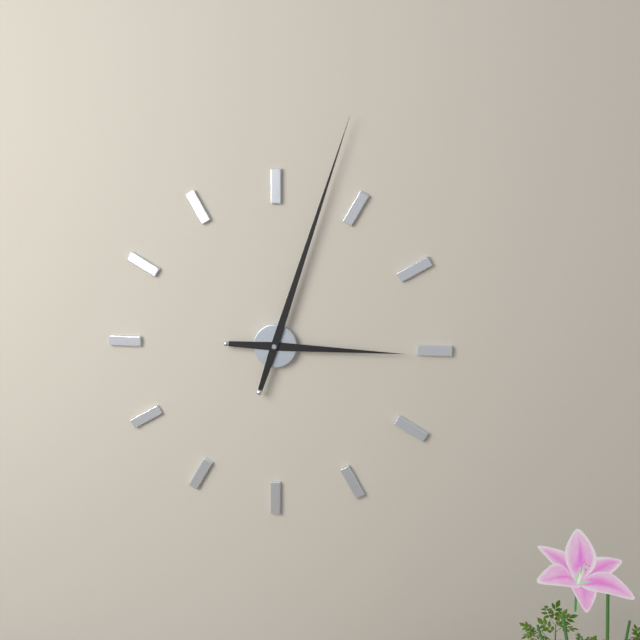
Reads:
h=3 m=3
